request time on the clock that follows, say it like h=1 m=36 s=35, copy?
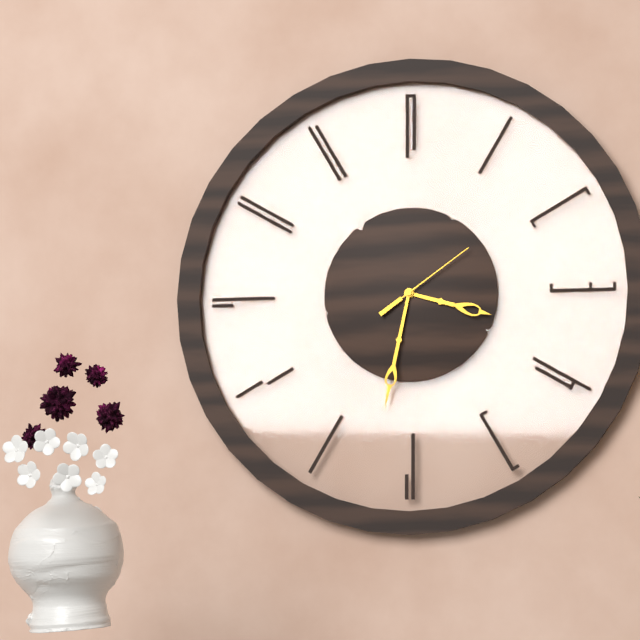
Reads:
h=3 m=32 s=9
